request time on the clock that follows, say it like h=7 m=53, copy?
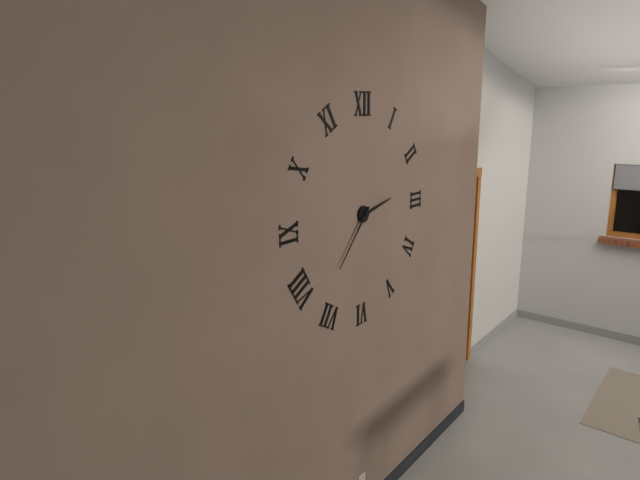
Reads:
h=2 m=37
